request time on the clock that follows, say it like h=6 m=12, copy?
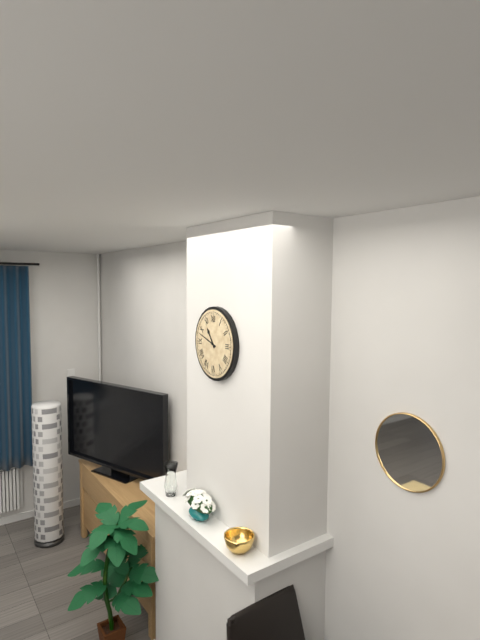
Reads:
h=10 m=48
